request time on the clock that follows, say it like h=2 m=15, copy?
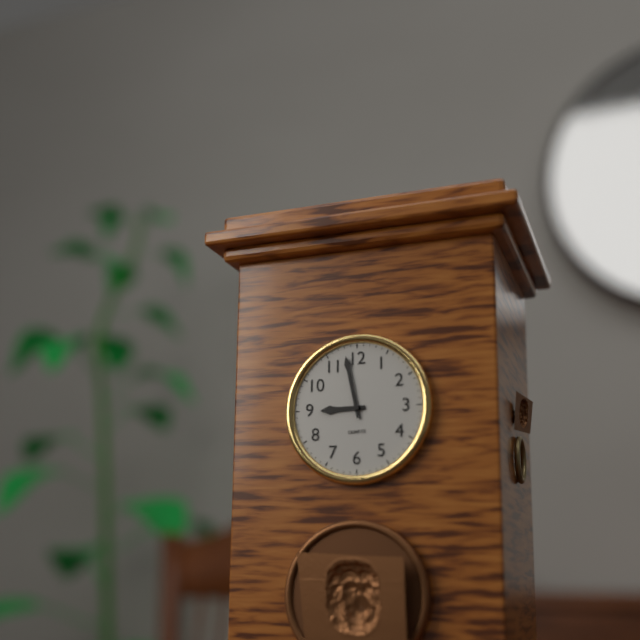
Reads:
h=8 m=58
